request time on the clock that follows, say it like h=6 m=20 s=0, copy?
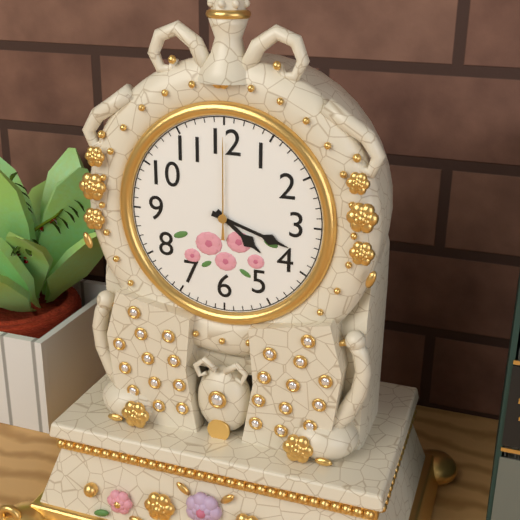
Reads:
h=4 m=18 s=0
